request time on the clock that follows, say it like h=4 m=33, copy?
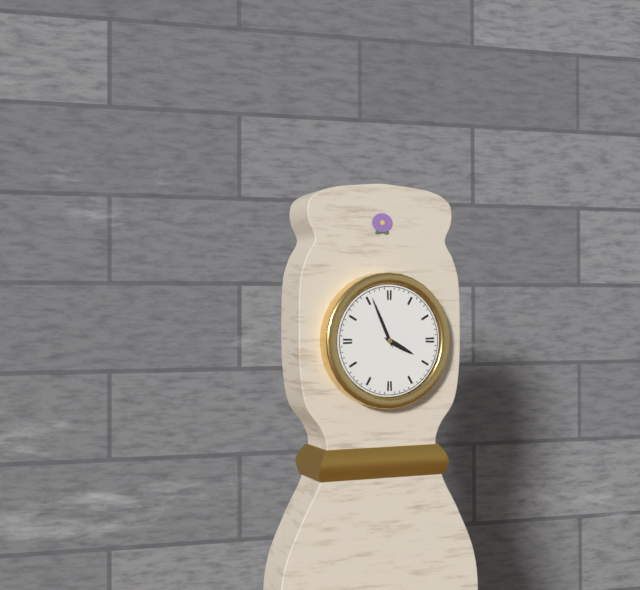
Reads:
h=3 m=56
